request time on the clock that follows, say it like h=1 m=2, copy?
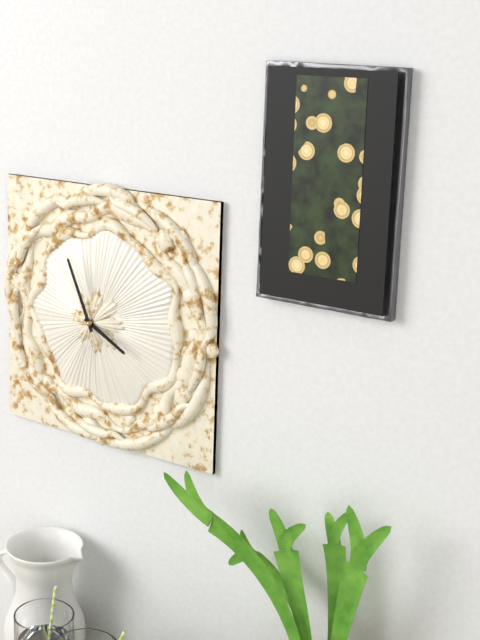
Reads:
h=3 m=56
